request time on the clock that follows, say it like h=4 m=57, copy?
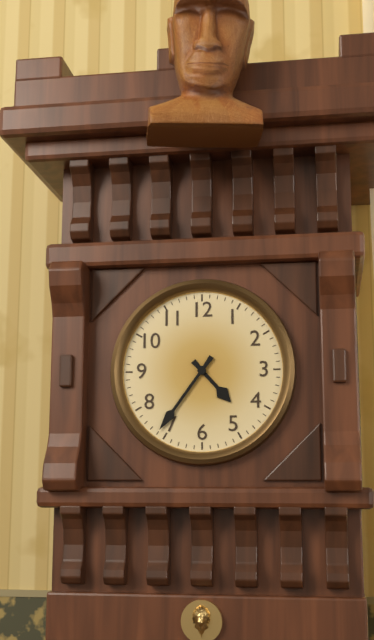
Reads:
h=4 m=36
